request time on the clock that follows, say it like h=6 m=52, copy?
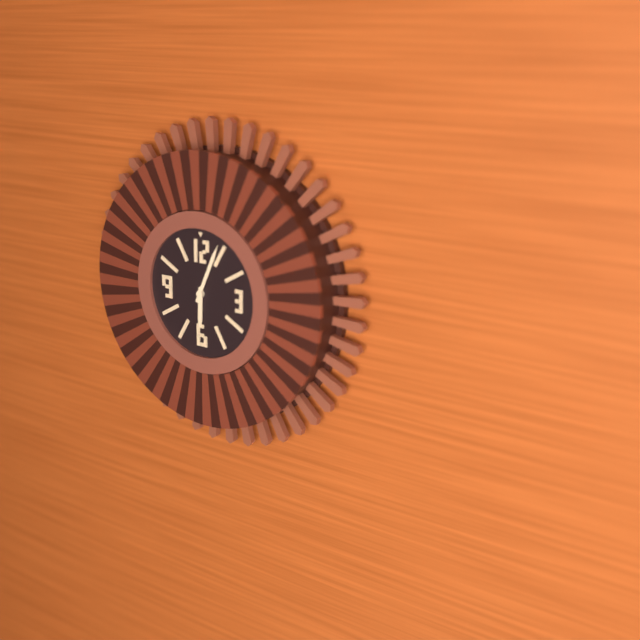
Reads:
h=6 m=4
